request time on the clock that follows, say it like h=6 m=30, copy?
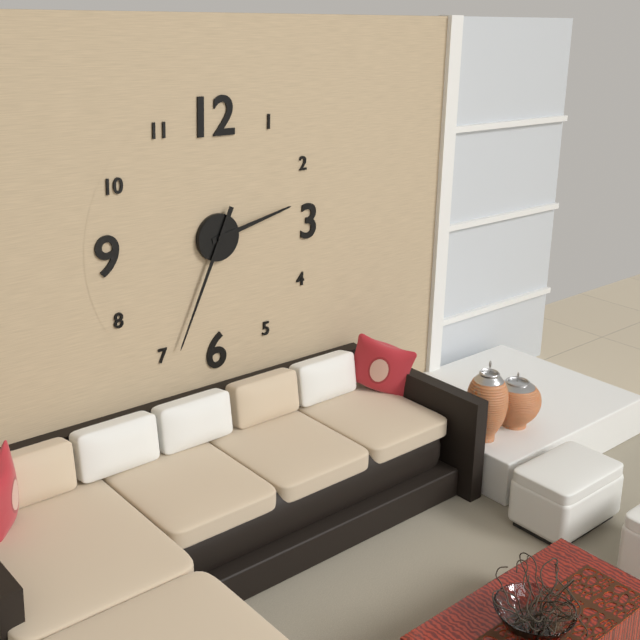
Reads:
h=2 m=34
